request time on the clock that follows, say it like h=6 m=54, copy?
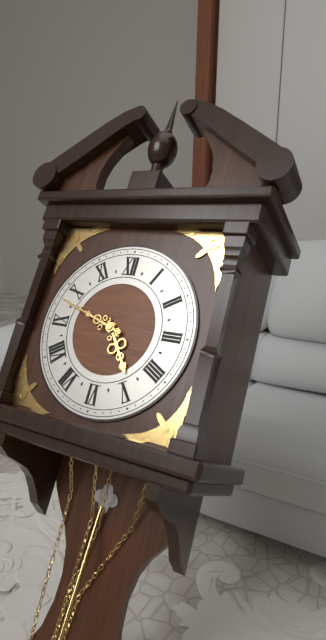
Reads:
h=4 m=48
